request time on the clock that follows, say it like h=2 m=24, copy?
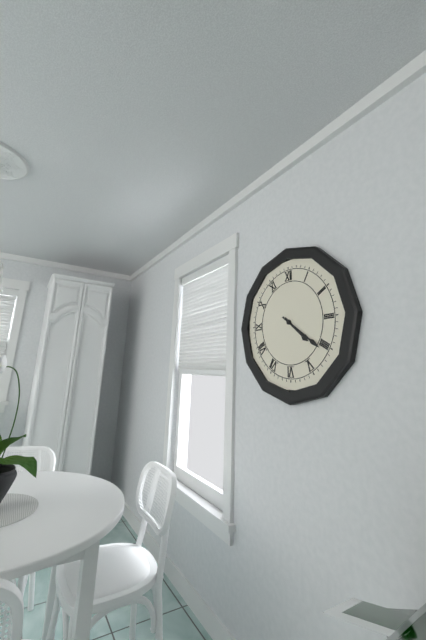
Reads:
h=4 m=21
